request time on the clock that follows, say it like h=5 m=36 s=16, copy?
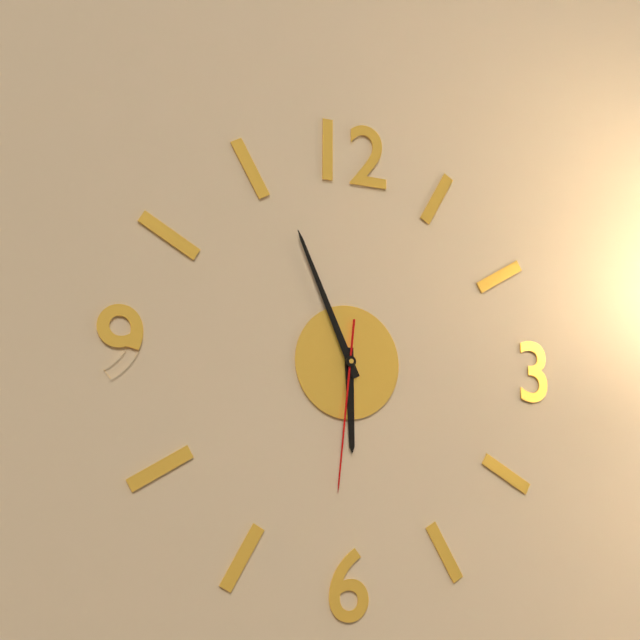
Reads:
h=5 m=56 s=31
